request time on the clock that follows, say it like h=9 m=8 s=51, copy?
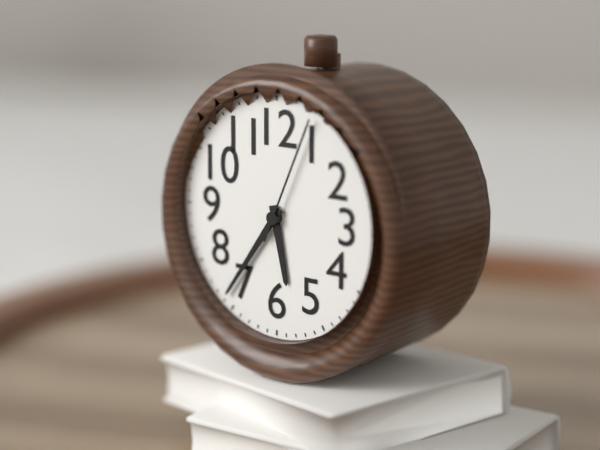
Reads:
h=5 m=36 s=4
